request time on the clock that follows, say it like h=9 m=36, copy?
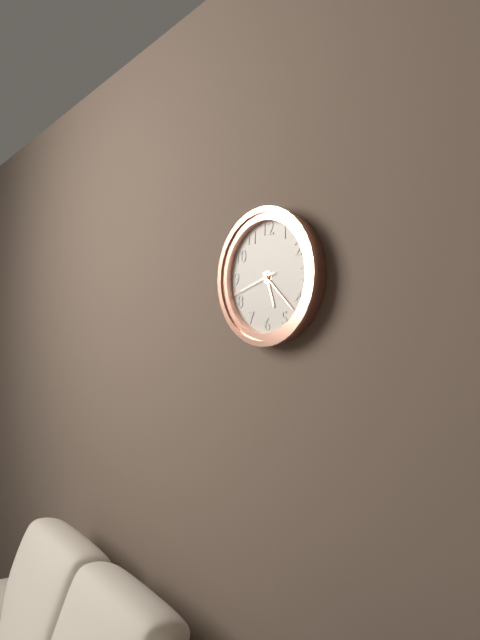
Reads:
h=5 m=22
